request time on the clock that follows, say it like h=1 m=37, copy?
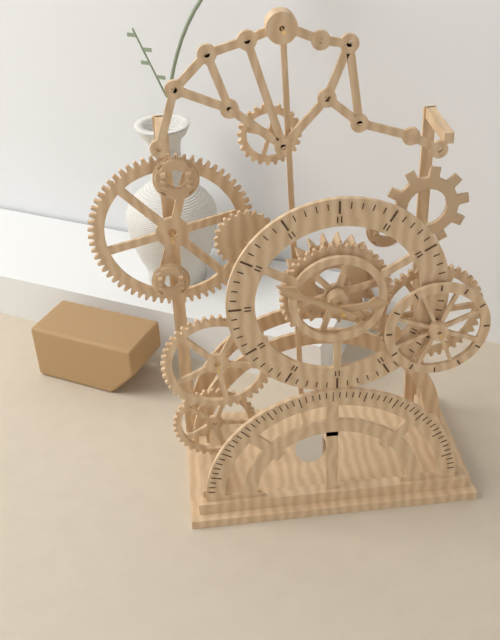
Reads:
h=2 m=50
